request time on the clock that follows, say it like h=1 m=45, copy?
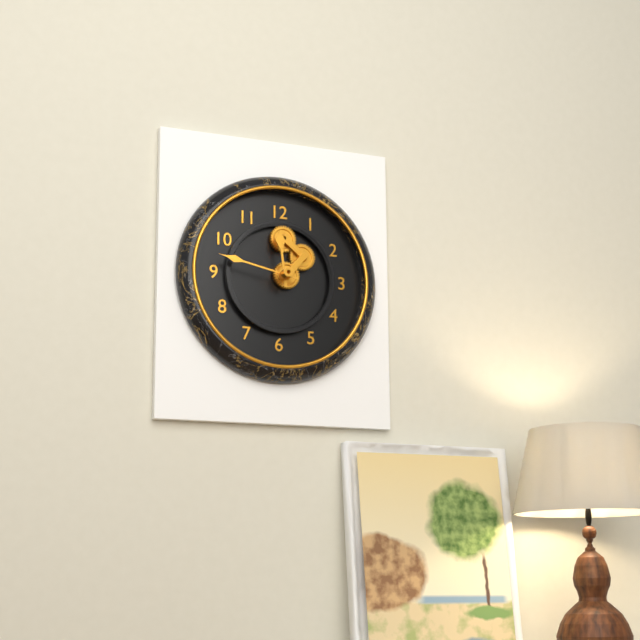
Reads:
h=11 m=47
